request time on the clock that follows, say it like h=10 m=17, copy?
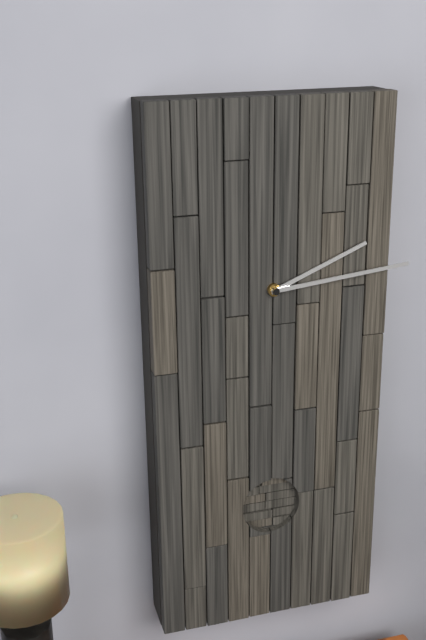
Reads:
h=2 m=14
